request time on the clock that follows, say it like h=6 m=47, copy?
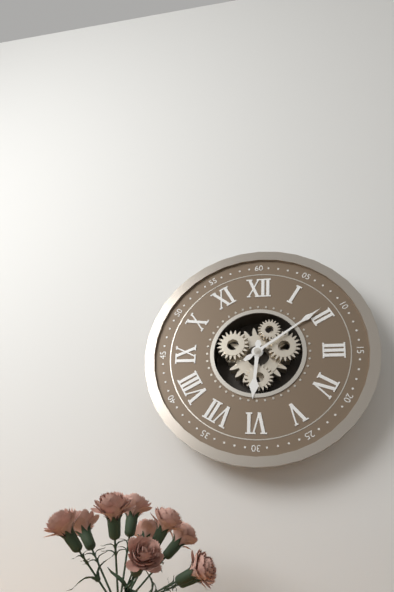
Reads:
h=6 m=9
